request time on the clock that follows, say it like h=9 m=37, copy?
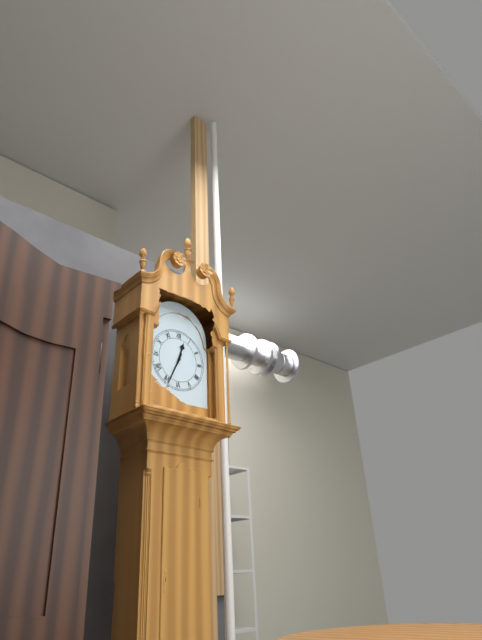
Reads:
h=12 m=34
